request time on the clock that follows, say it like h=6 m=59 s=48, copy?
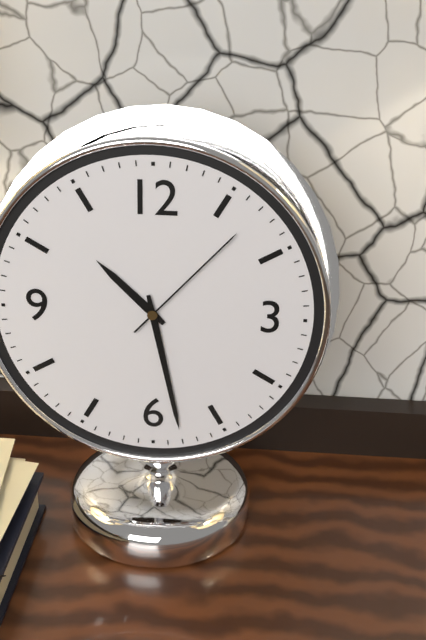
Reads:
h=10 m=28 s=7
